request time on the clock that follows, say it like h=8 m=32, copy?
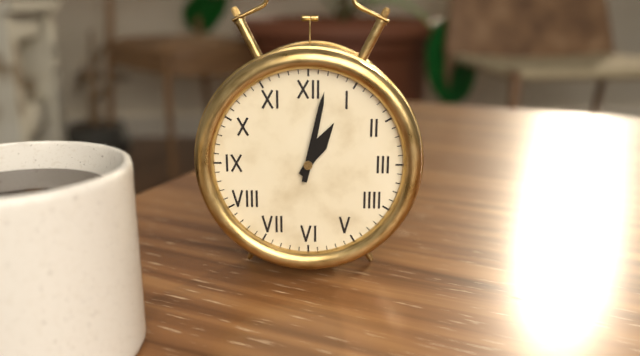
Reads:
h=1 m=2
